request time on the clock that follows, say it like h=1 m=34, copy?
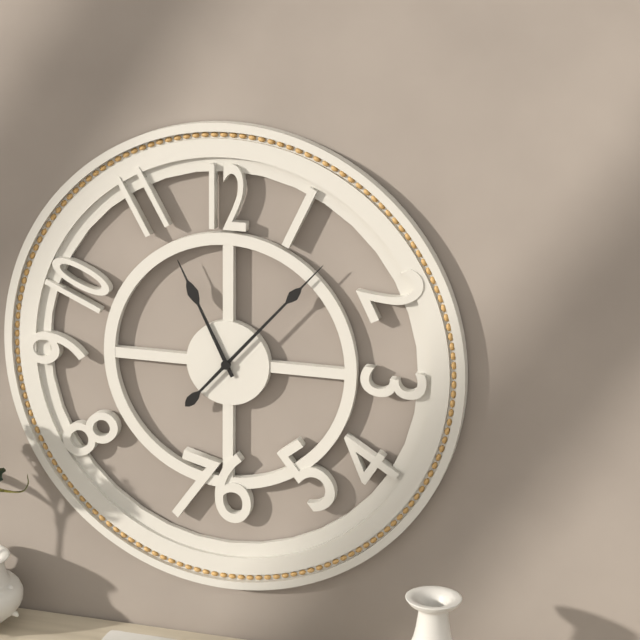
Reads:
h=11 m=7
